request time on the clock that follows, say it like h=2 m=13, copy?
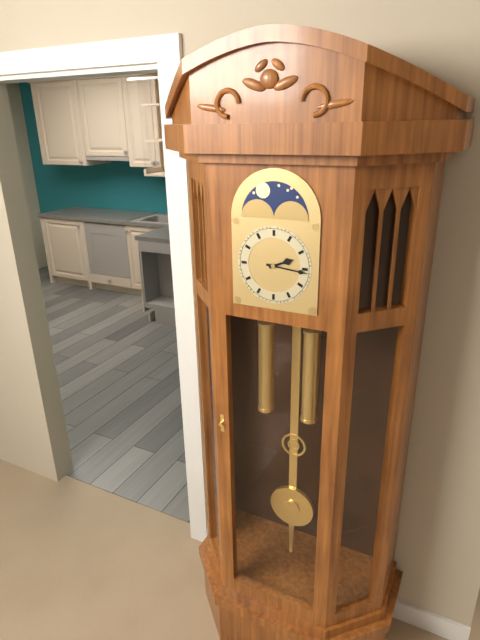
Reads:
h=2 m=16
